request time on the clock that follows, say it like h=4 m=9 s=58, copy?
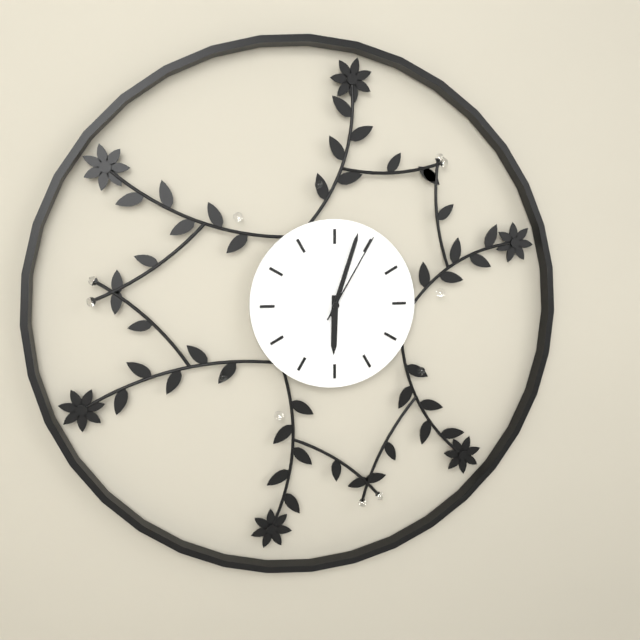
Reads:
h=6 m=3 s=5
